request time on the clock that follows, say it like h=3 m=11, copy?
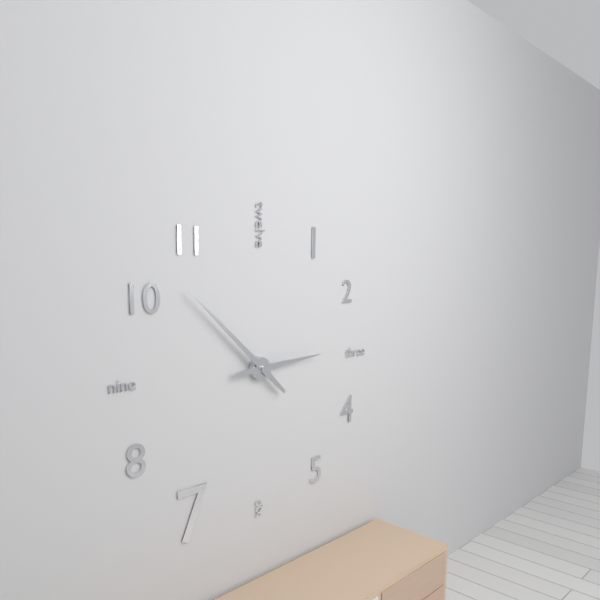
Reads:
h=2 m=52
